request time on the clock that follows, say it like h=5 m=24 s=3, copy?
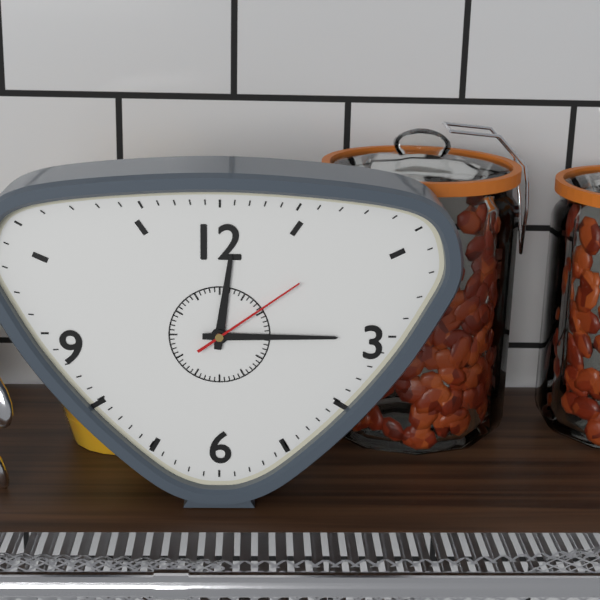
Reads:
h=12 m=15 s=9
